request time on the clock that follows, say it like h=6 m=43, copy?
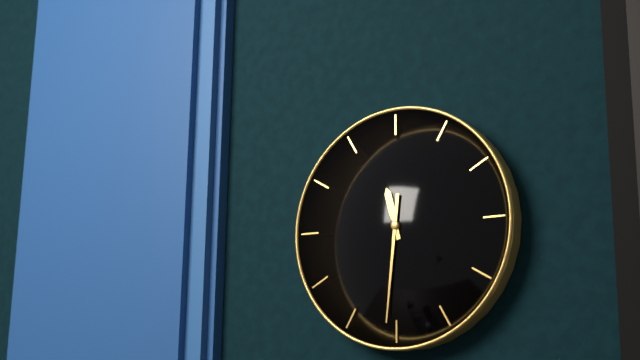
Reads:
h=11 m=31
